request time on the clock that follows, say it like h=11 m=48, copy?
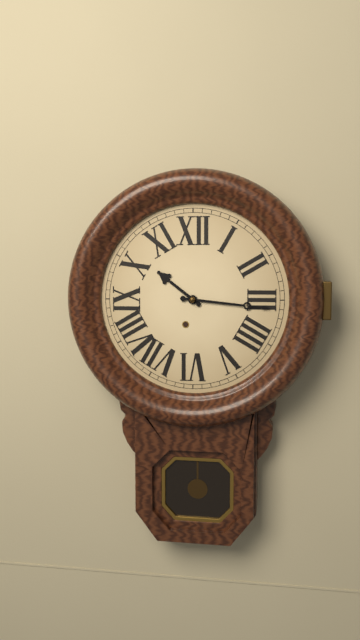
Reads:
h=10 m=16
